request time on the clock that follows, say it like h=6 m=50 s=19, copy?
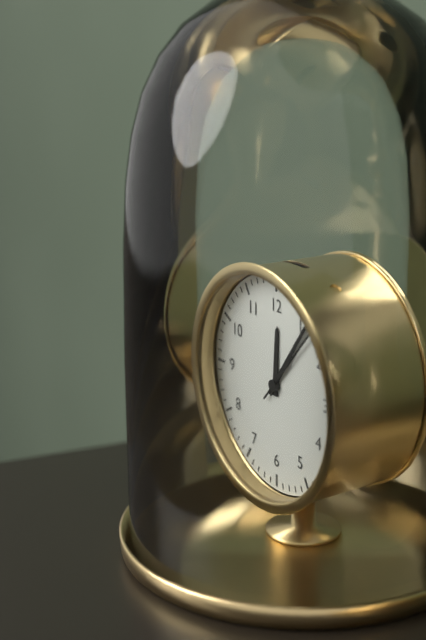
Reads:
h=12 m=6 s=7
